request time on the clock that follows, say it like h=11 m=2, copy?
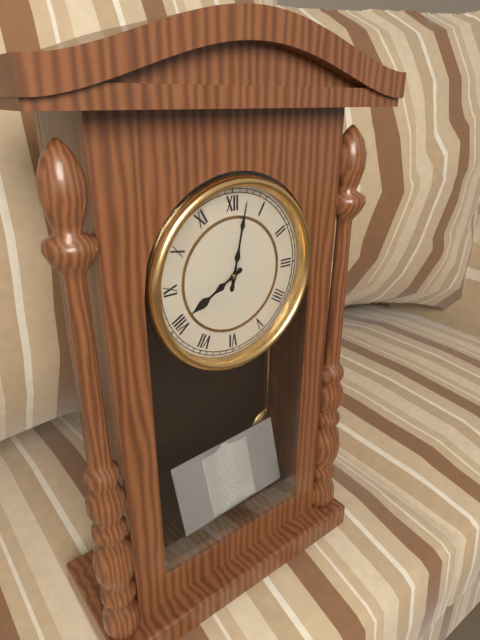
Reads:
h=8 m=2
